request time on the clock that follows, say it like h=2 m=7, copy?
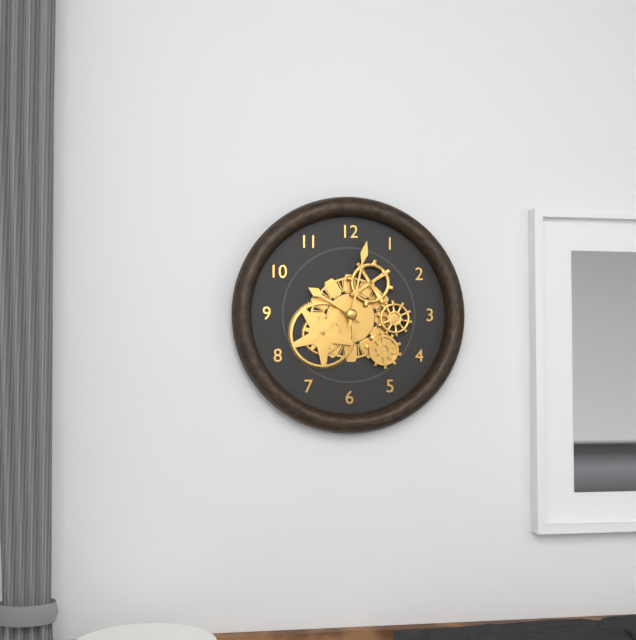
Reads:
h=10 m=2
